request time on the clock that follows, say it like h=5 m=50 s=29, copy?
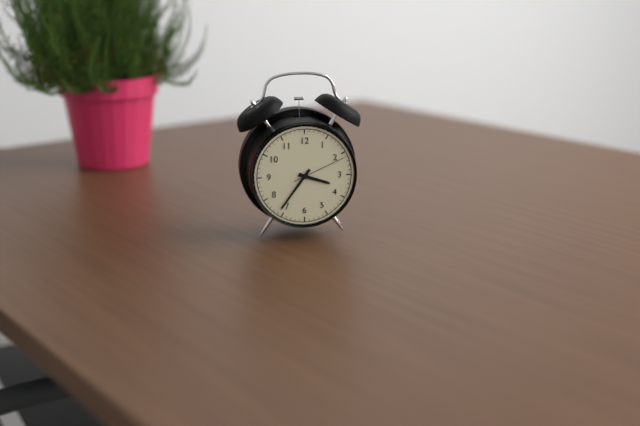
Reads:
h=3 m=36 s=11
